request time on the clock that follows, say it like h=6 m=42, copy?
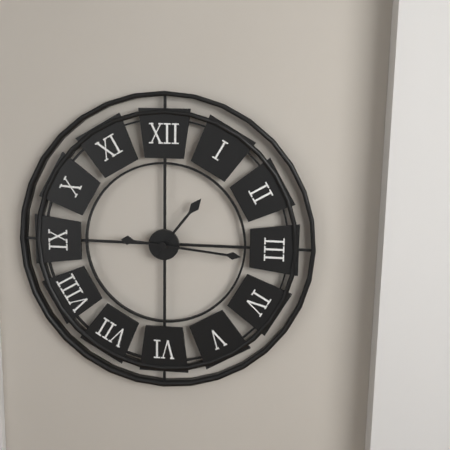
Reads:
h=1 m=16
